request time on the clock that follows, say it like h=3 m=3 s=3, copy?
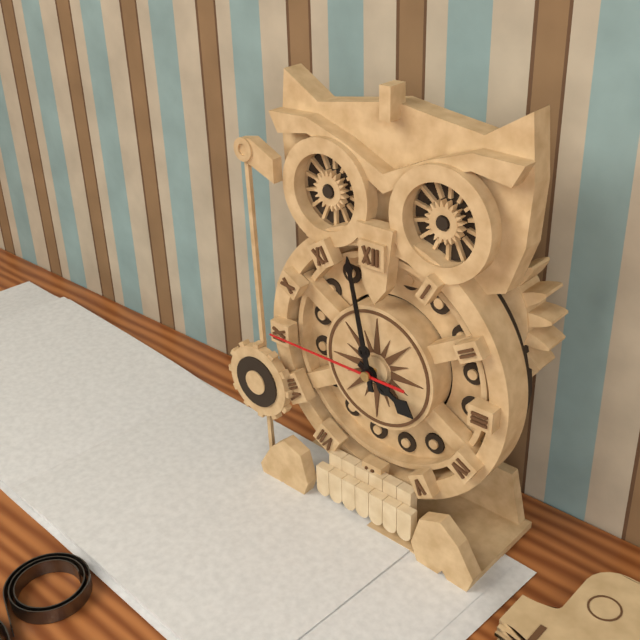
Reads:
h=3 m=58 s=45
